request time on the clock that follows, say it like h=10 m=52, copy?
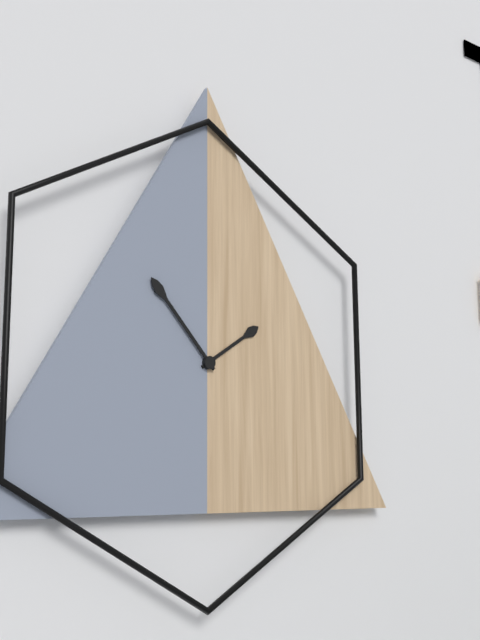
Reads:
h=1 m=53
